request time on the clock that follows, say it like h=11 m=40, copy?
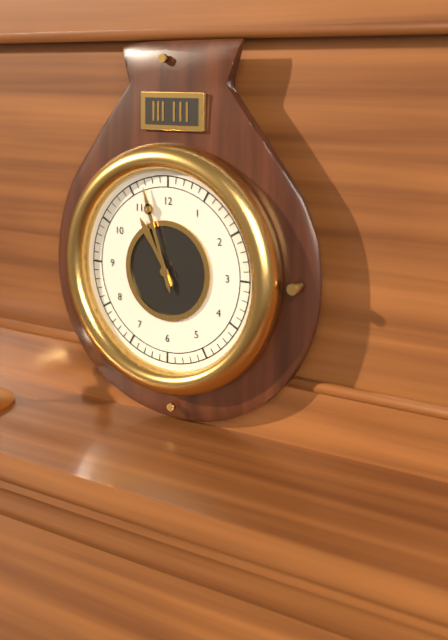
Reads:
h=10 m=57
